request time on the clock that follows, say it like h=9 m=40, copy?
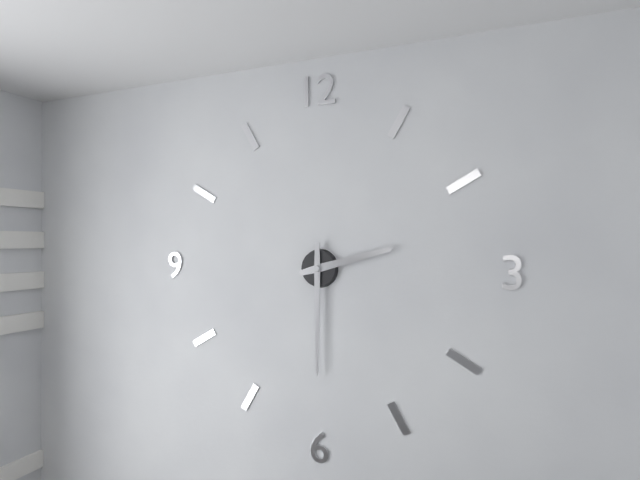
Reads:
h=2 m=30
